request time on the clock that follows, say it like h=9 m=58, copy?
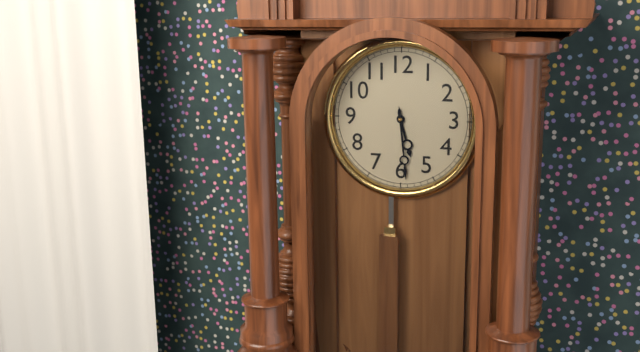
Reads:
h=5 m=29
